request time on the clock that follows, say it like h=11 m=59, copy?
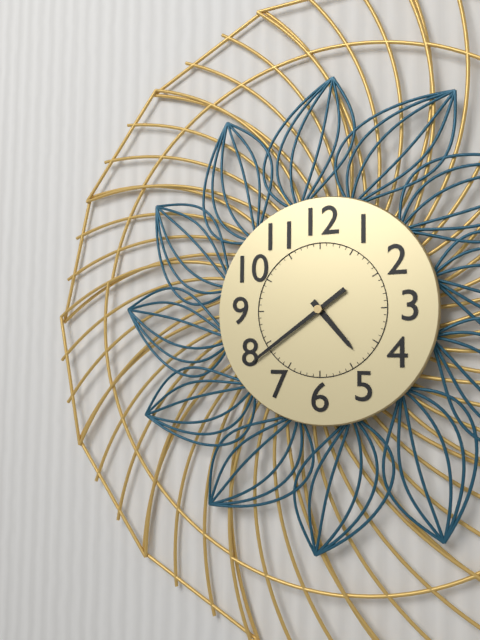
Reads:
h=4 m=39
